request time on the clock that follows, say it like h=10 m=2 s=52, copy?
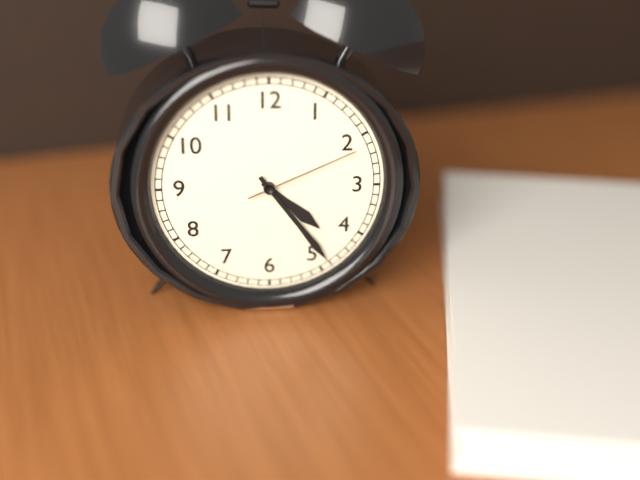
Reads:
h=4 m=24 s=11
